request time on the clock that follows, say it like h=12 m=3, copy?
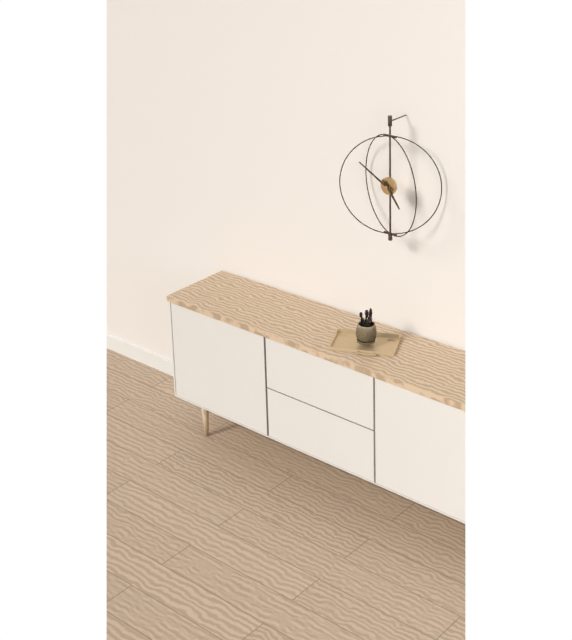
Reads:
h=4 m=50
